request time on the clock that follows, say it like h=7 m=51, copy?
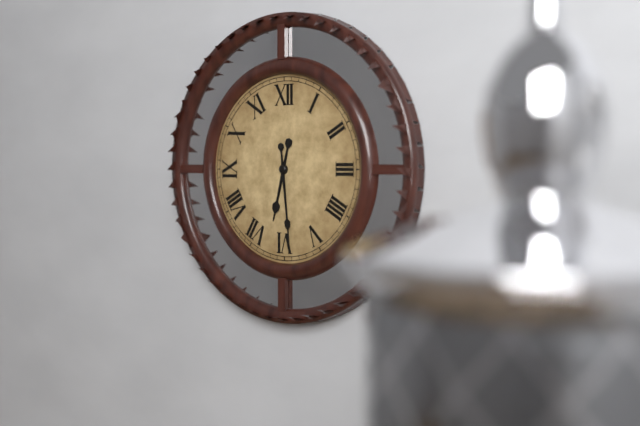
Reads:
h=6 m=29
